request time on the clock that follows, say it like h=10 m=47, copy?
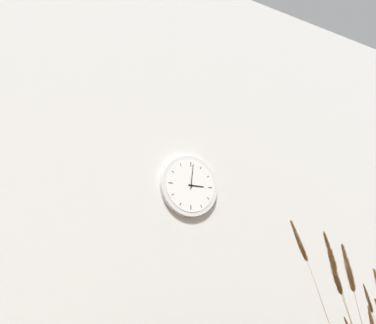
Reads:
h=3 m=1
